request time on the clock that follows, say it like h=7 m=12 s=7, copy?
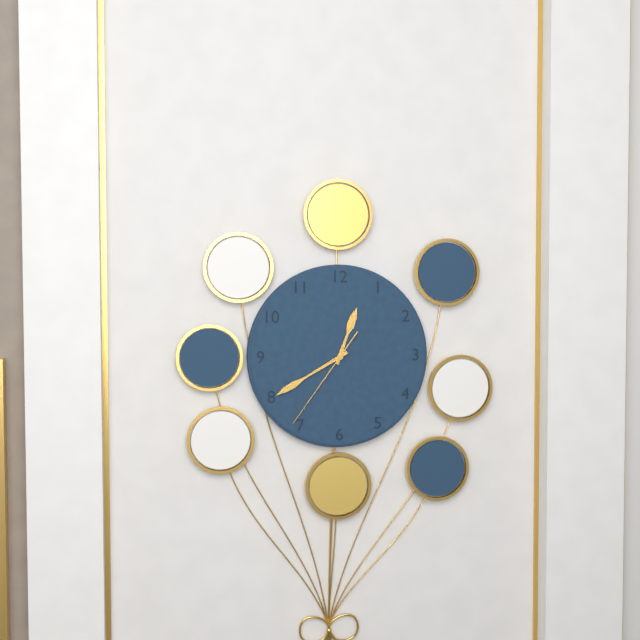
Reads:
h=12 m=40 s=36
